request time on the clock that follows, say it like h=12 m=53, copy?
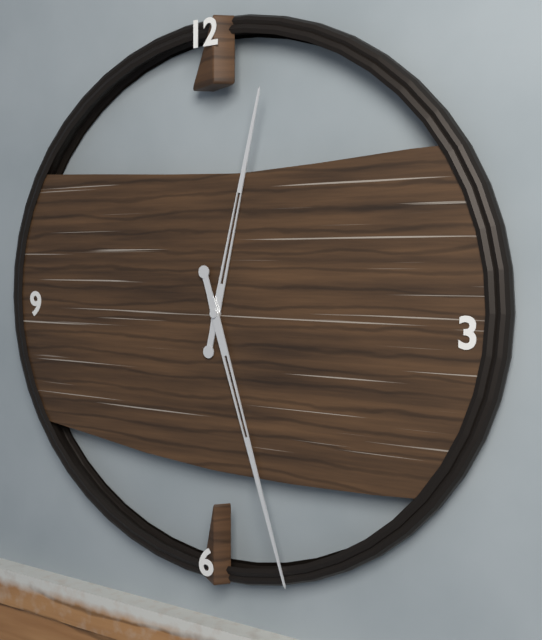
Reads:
h=12 m=27
